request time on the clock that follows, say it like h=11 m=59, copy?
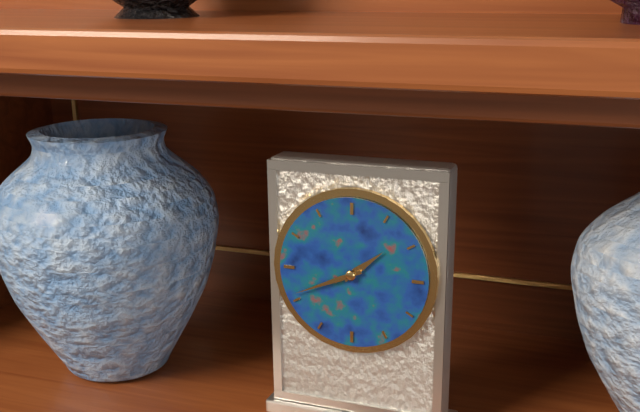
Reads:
h=1 m=41
